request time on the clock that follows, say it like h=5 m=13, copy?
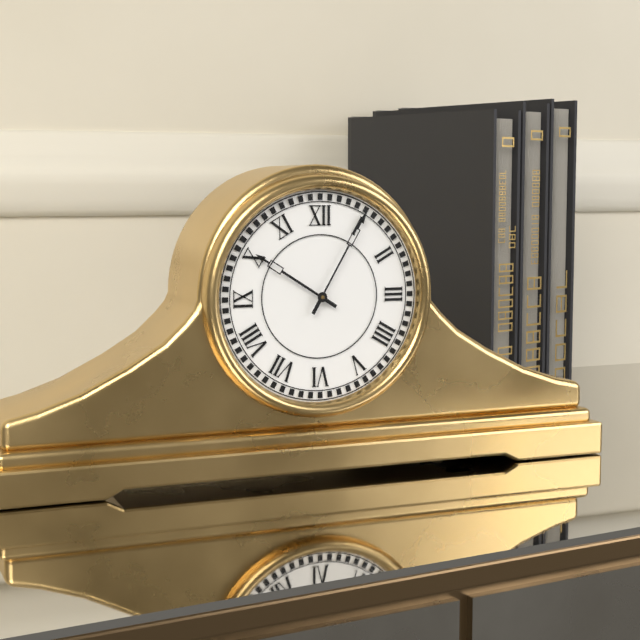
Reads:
h=10 m=5
